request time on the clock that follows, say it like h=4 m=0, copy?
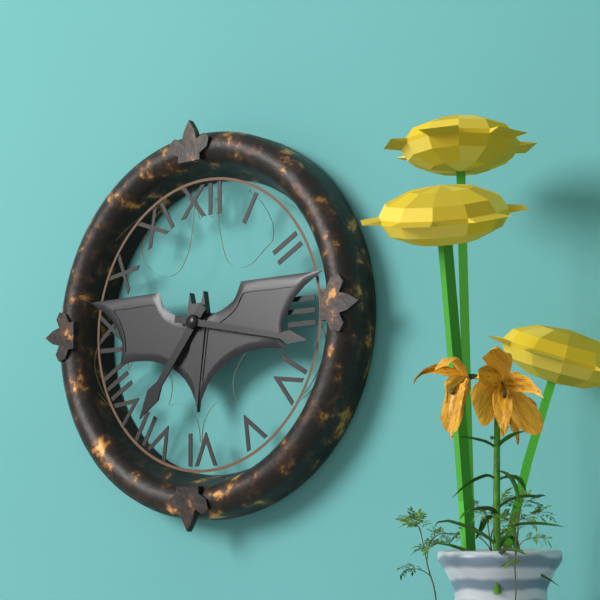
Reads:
h=7 m=17
